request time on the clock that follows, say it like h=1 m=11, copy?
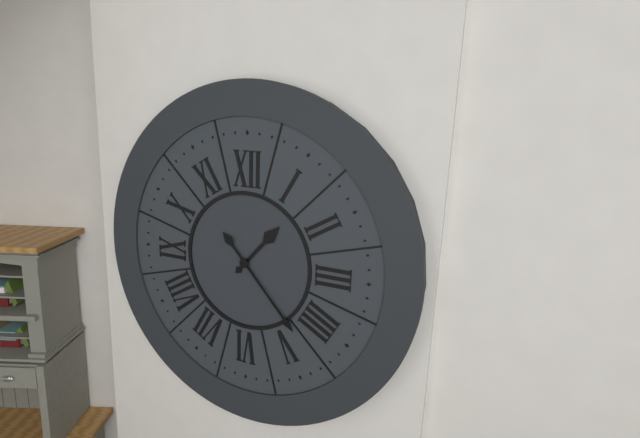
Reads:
h=1 m=23
